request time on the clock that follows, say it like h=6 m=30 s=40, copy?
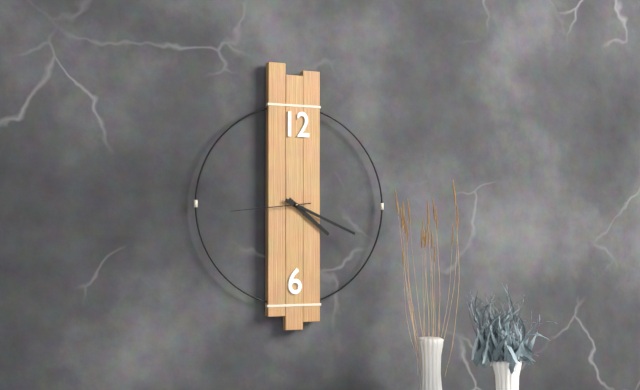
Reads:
h=4 m=19 s=44
